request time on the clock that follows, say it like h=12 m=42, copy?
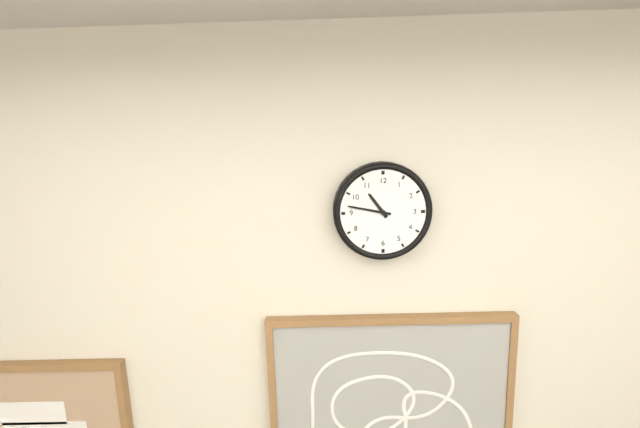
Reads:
h=10 m=47
